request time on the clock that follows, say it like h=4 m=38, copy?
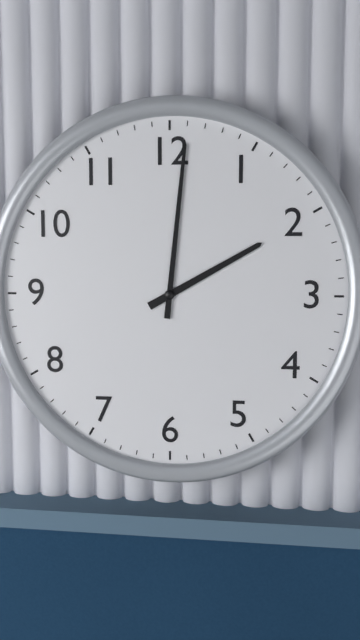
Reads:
h=2 m=1
